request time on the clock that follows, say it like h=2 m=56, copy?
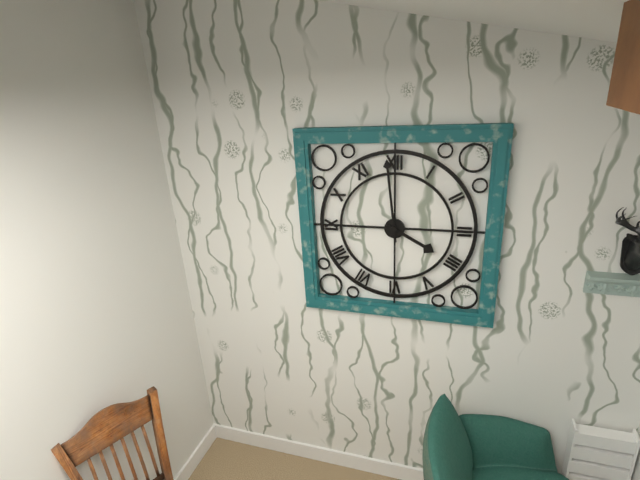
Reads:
h=3 m=59
